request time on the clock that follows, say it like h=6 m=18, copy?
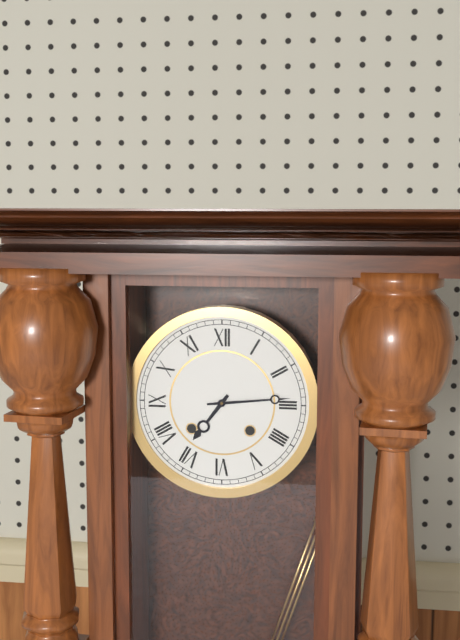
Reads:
h=7 m=14
